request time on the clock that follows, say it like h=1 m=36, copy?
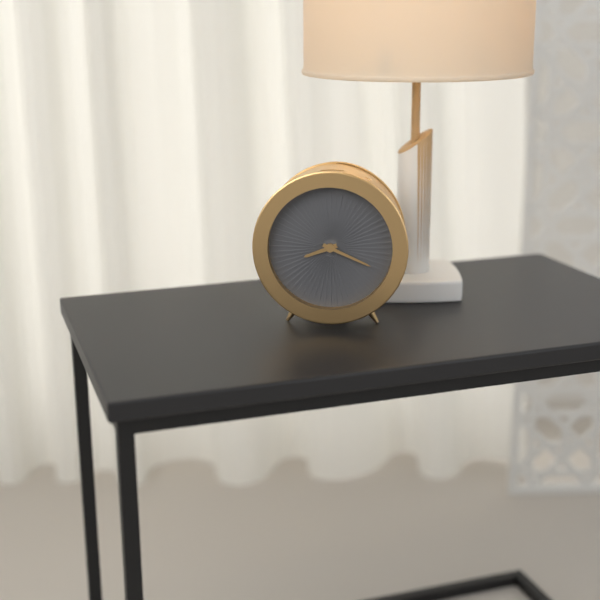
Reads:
h=8 m=19
